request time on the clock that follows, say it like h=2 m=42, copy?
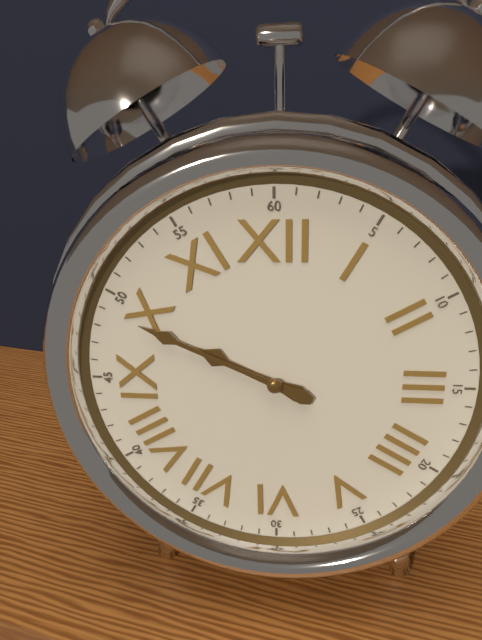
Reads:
h=9 m=49
